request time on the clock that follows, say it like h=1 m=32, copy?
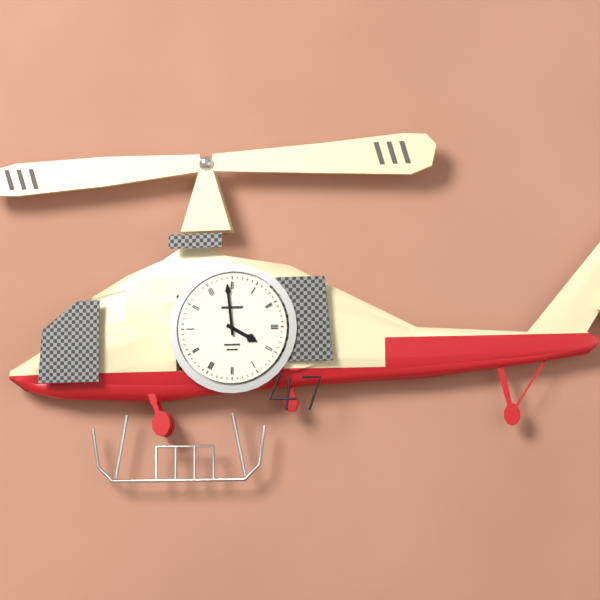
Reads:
h=3 m=59
